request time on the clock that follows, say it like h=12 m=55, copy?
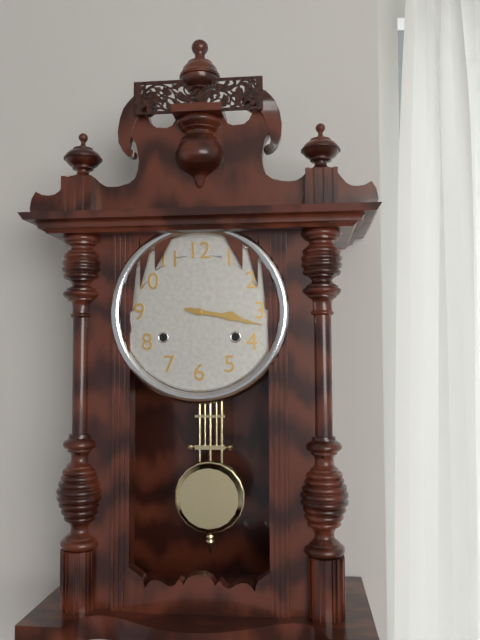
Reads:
h=3 m=17
